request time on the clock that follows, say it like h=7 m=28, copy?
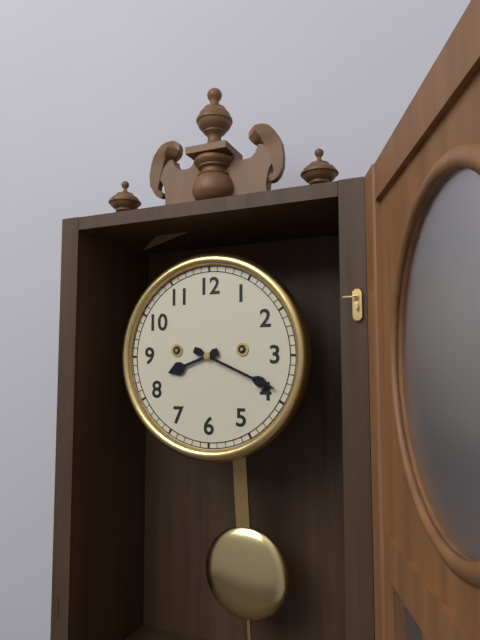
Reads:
h=8 m=19
